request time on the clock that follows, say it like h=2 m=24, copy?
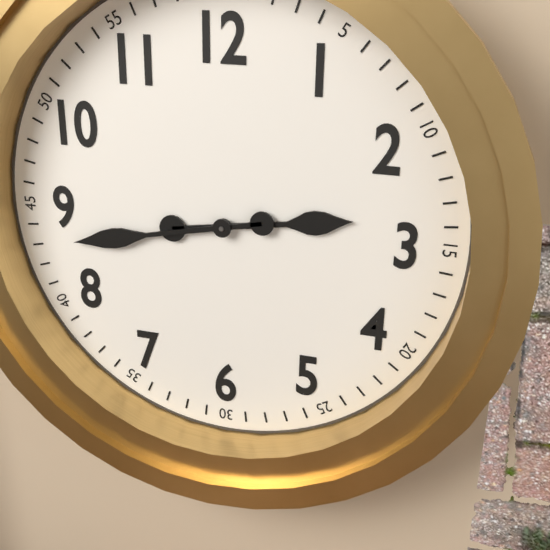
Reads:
h=2 m=43
